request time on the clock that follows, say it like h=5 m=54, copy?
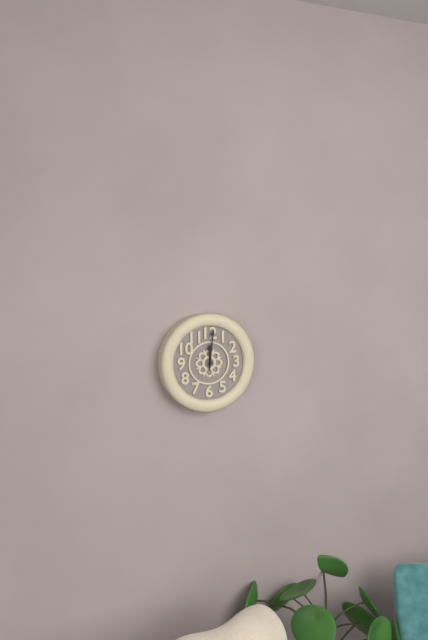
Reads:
h=12 m=1
